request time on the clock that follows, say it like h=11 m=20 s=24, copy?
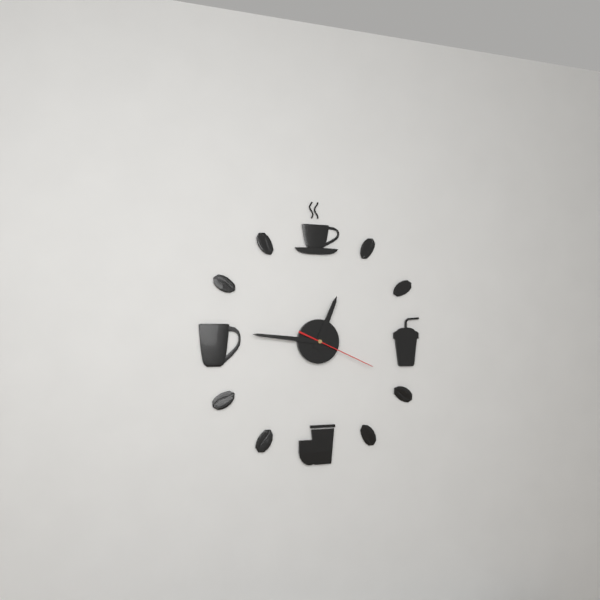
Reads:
h=12 m=46 s=19
